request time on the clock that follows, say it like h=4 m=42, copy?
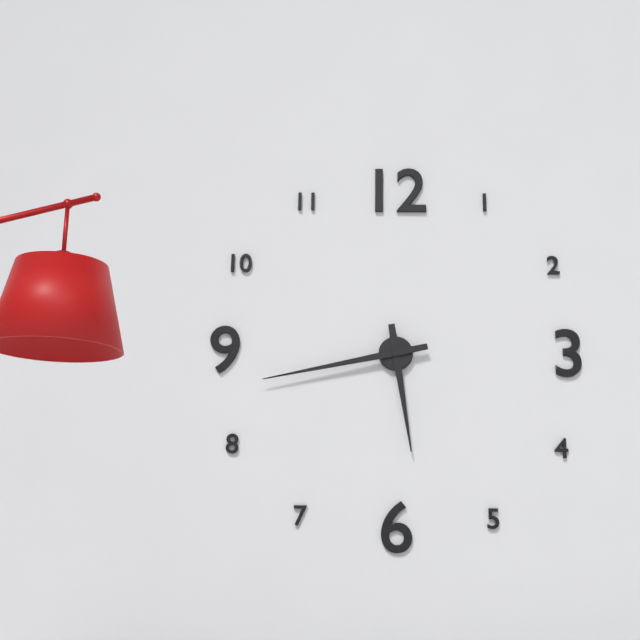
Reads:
h=5 m=43
